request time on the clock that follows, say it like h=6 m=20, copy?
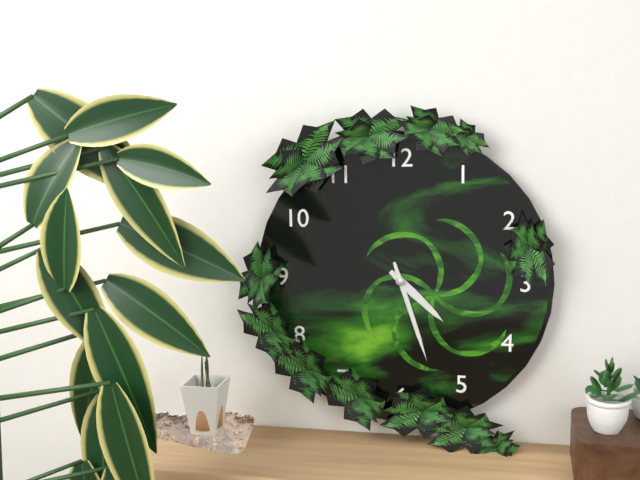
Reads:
h=4 m=27
